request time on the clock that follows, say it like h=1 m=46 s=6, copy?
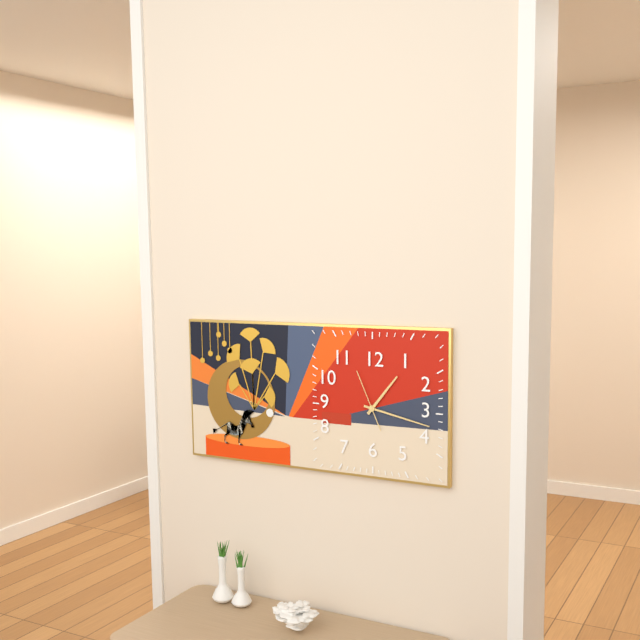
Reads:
h=1 m=17 s=56
